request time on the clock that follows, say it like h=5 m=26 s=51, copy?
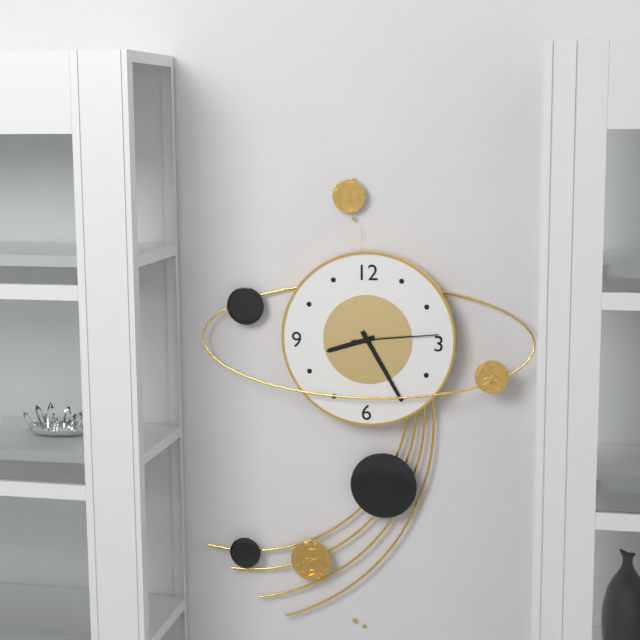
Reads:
h=8 m=25 s=14
